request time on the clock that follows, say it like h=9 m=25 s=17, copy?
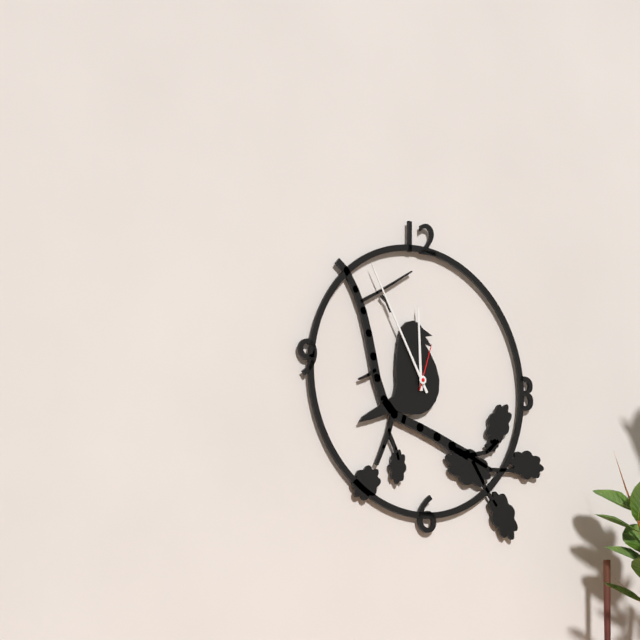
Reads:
h=11 m=55 s=3
